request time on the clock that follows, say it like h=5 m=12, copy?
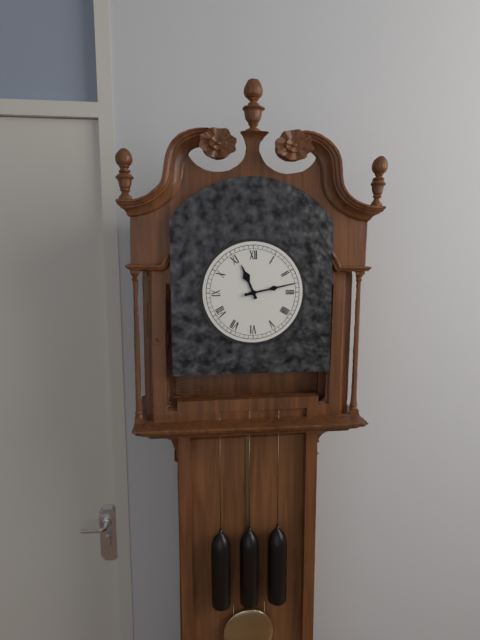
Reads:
h=11 m=13
